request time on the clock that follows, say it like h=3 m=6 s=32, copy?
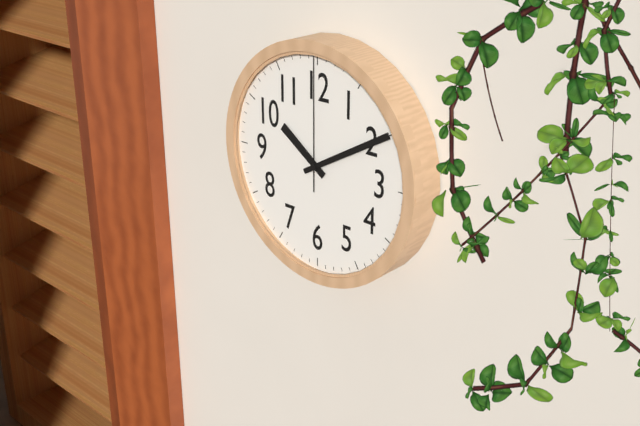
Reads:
h=10 m=10 s=0
